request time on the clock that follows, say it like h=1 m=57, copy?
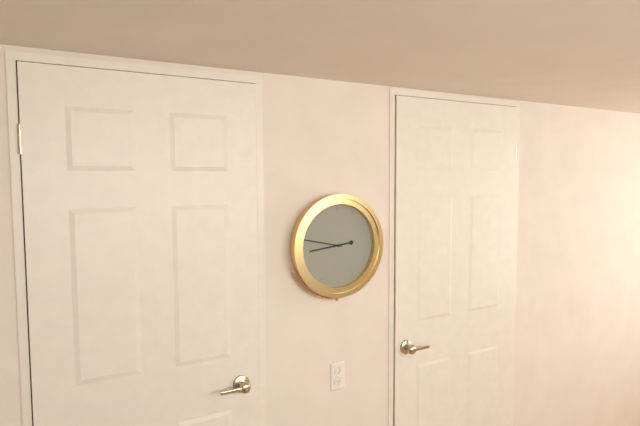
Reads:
h=8 m=47
